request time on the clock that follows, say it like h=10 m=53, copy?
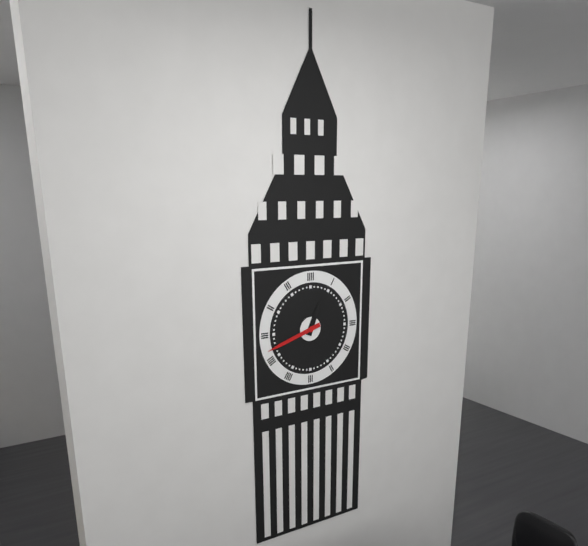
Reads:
h=12 m=42
